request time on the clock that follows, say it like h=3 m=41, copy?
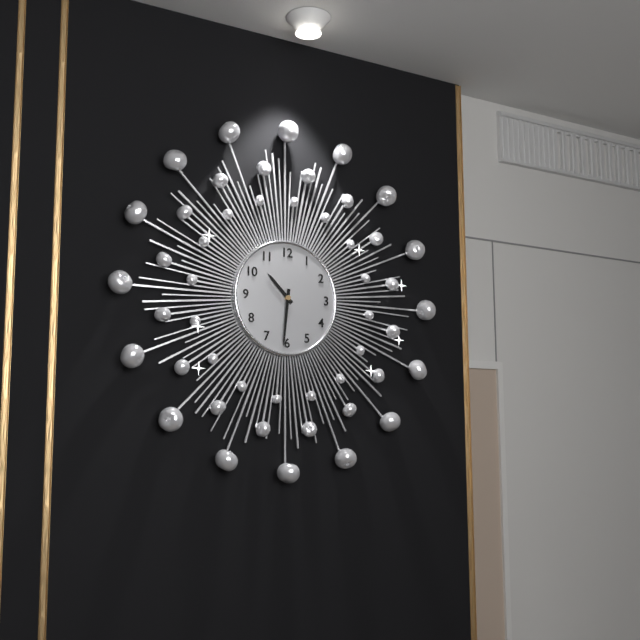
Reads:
h=10 m=31
